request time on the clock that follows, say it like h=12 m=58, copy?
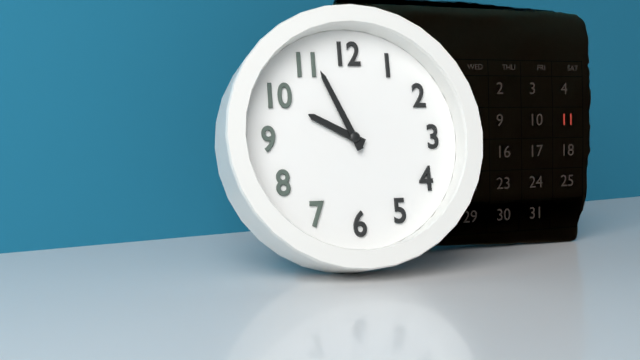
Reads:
h=9 m=56
